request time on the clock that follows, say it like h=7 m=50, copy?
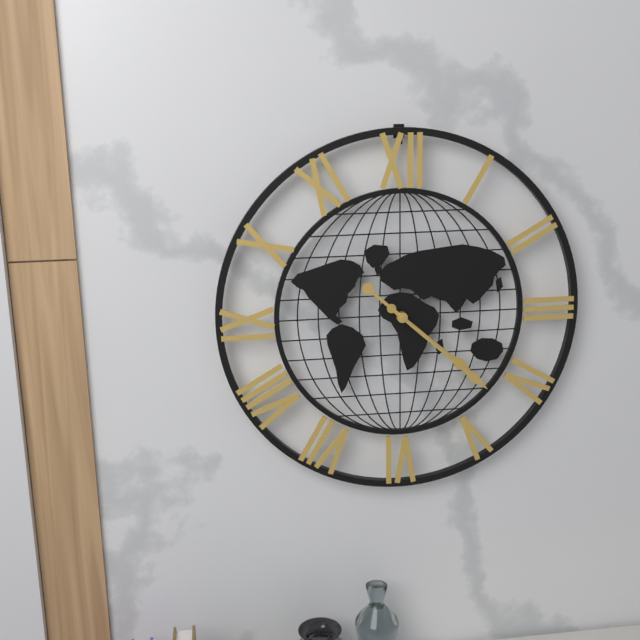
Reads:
h=4 m=22
